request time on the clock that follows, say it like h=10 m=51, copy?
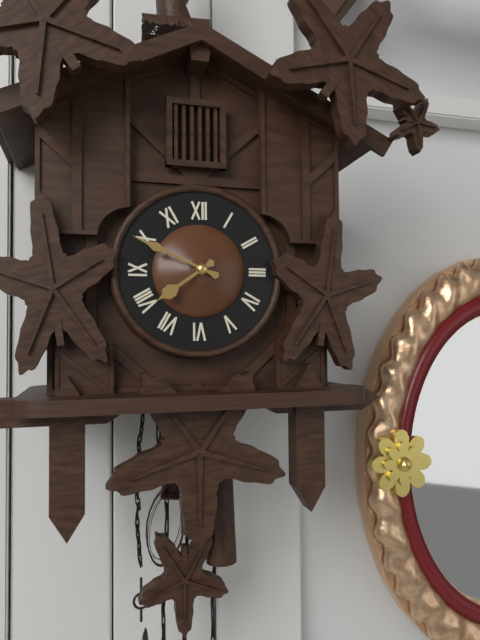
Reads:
h=7 m=49
